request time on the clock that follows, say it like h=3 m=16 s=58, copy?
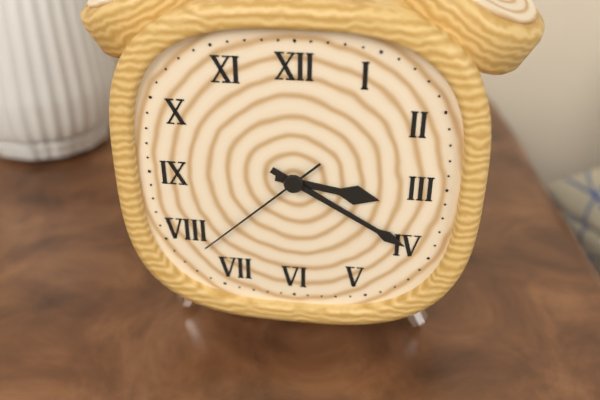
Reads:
h=3 m=20 s=38
